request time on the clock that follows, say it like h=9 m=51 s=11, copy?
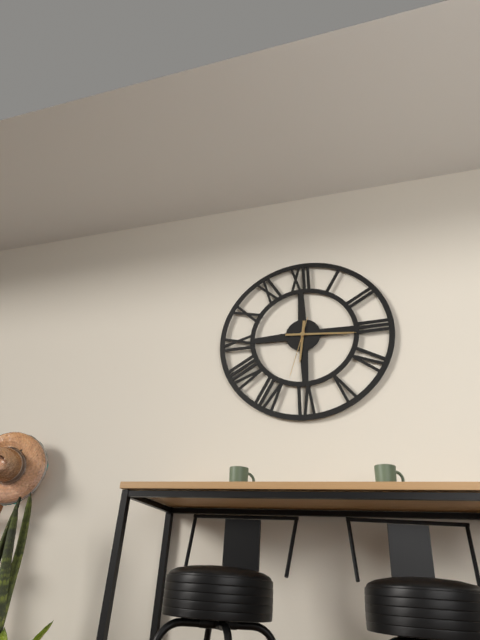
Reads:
h=6 m=16 s=33
